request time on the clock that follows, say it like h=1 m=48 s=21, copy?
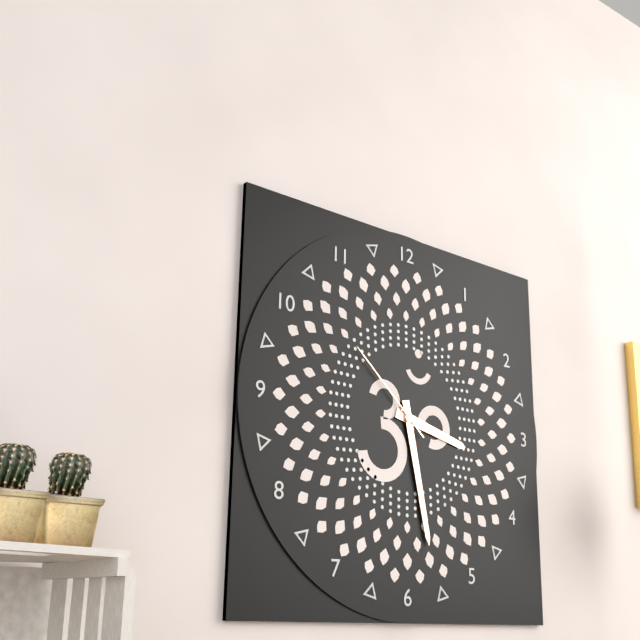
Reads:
h=3 m=28 s=52
